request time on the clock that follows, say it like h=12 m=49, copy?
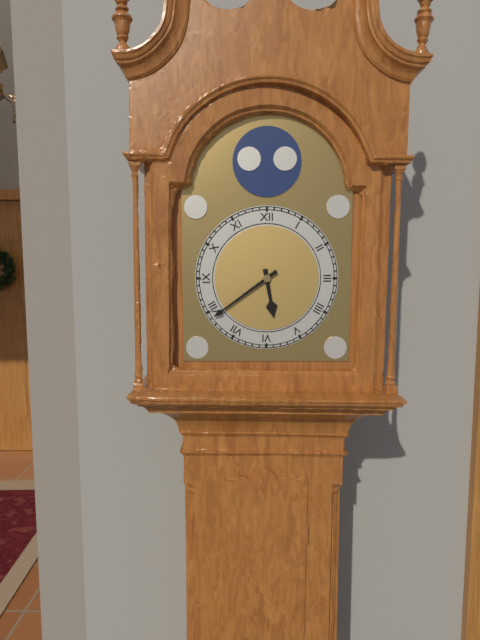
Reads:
h=5 m=39
